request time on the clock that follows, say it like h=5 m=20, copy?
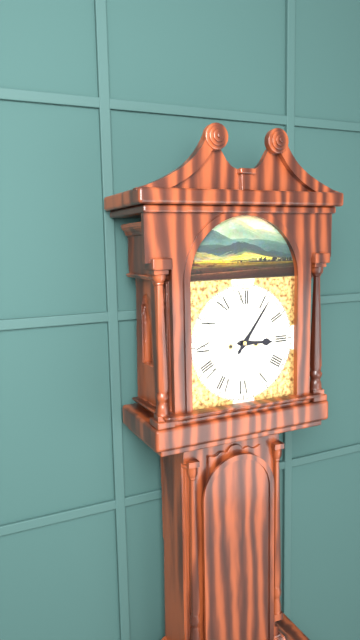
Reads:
h=3 m=6
